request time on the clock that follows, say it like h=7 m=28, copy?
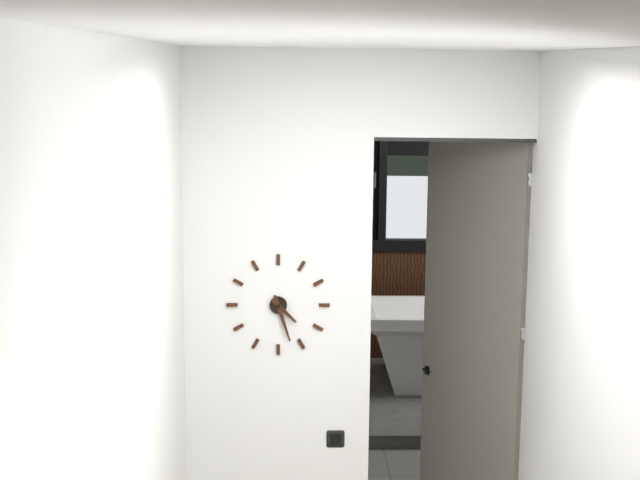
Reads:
h=4 m=27
